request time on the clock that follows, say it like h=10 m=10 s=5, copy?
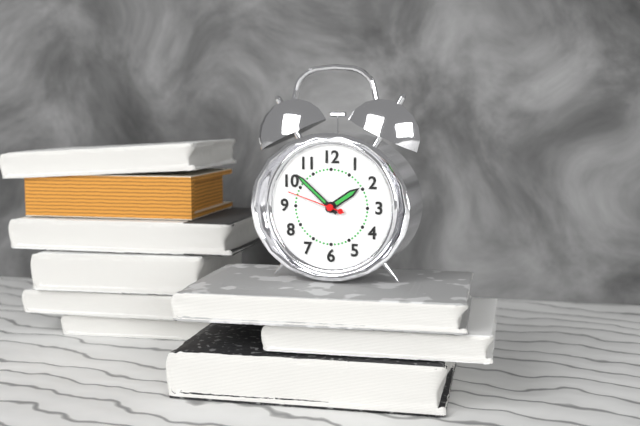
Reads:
h=1 m=52 s=48
